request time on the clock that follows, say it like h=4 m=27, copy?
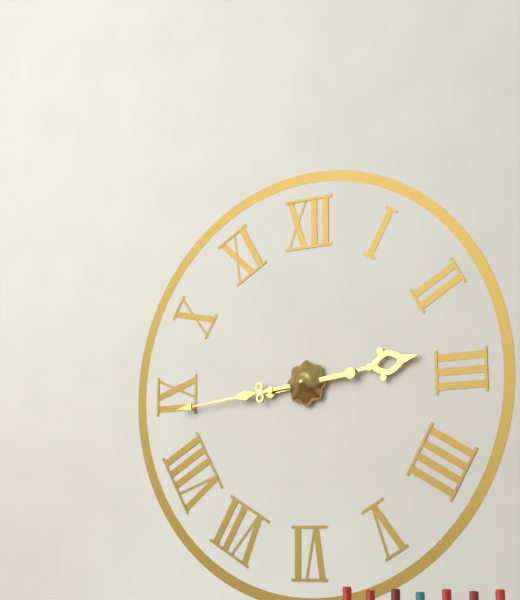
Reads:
h=2 m=44
